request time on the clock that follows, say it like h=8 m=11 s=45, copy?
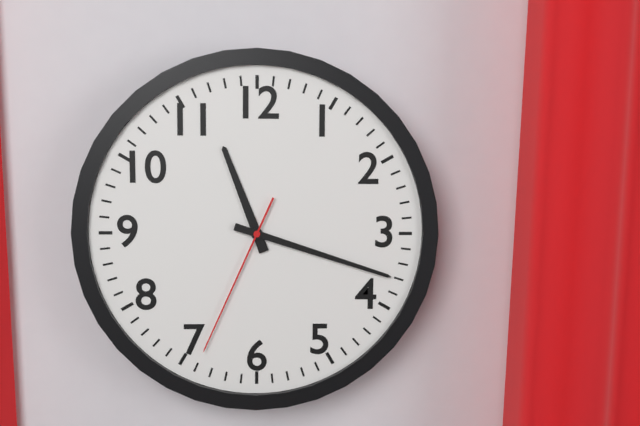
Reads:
h=11 m=18 s=34
